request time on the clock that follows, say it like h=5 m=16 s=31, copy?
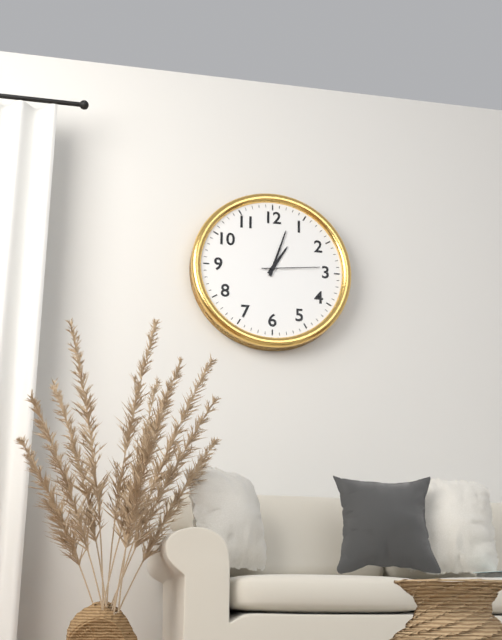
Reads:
h=1 m=3 s=14
